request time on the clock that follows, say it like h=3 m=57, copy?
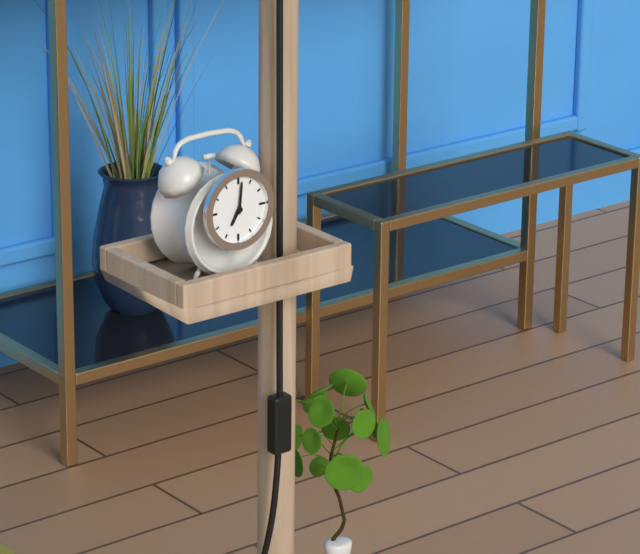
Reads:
h=7 m=1
